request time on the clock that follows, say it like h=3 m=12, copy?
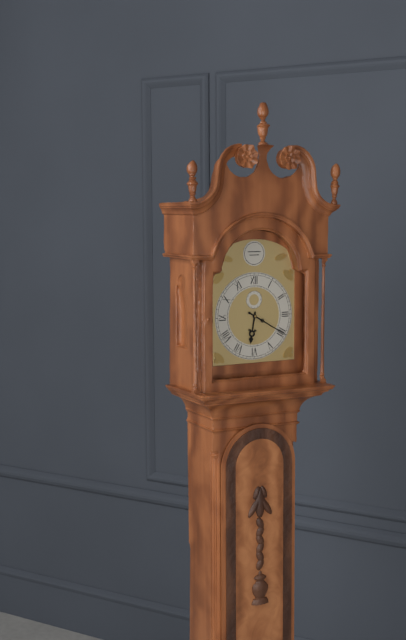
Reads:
h=6 m=20
